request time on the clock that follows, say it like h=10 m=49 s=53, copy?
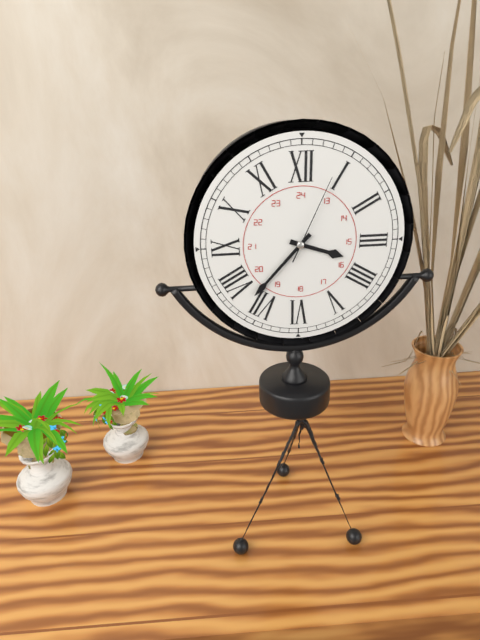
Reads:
h=3 m=37 s=4
